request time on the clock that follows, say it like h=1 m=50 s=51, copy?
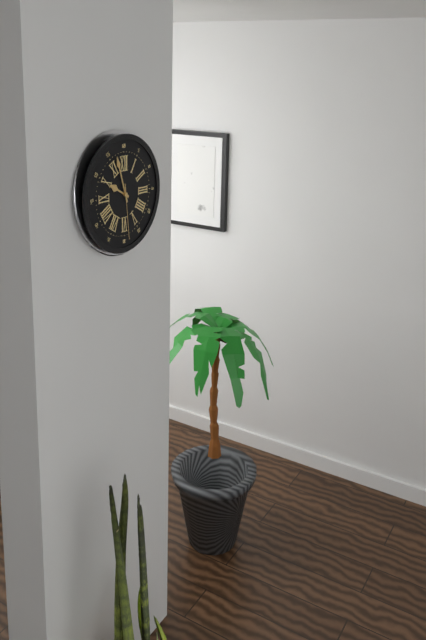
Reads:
h=9 m=57 s=29
